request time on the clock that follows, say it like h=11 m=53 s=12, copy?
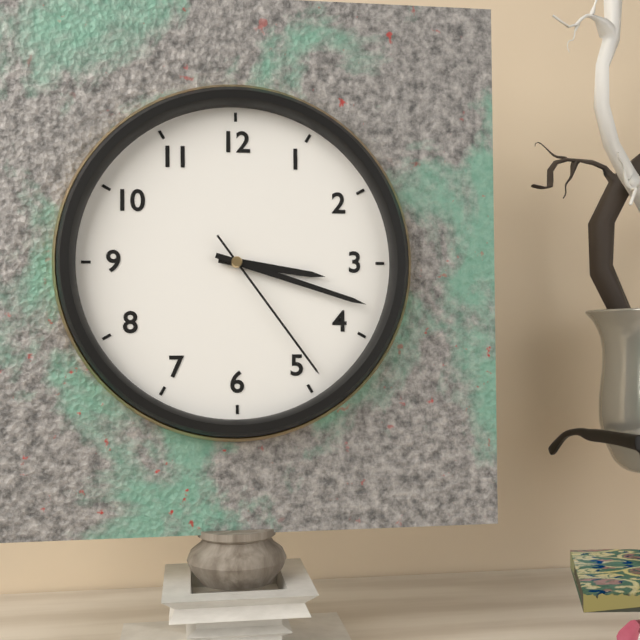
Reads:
h=3 m=18 s=24
